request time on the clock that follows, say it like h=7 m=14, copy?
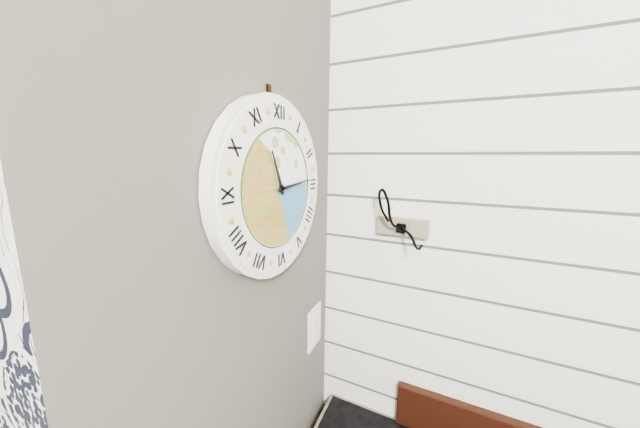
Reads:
h=11 m=14
